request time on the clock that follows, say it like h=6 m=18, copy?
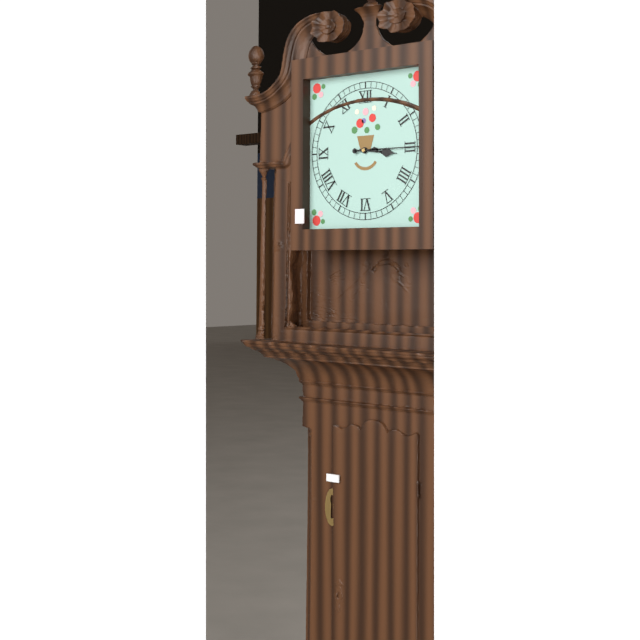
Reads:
h=3 m=15
